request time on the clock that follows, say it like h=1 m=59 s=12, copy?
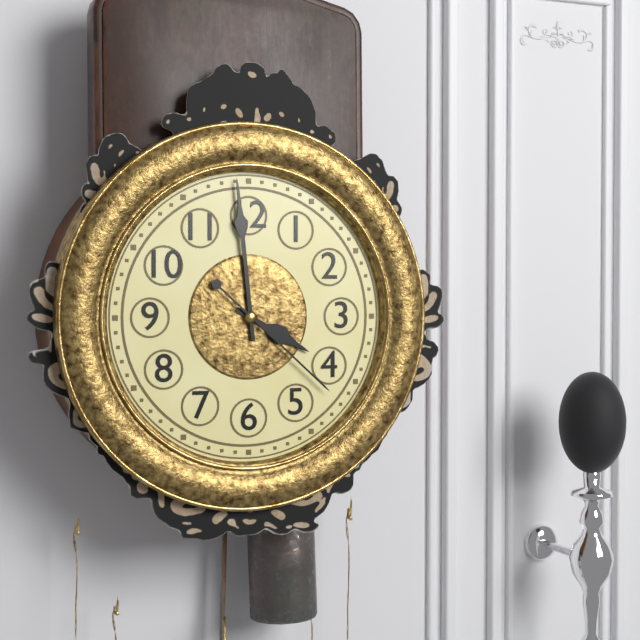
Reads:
h=3 m=59 s=22
